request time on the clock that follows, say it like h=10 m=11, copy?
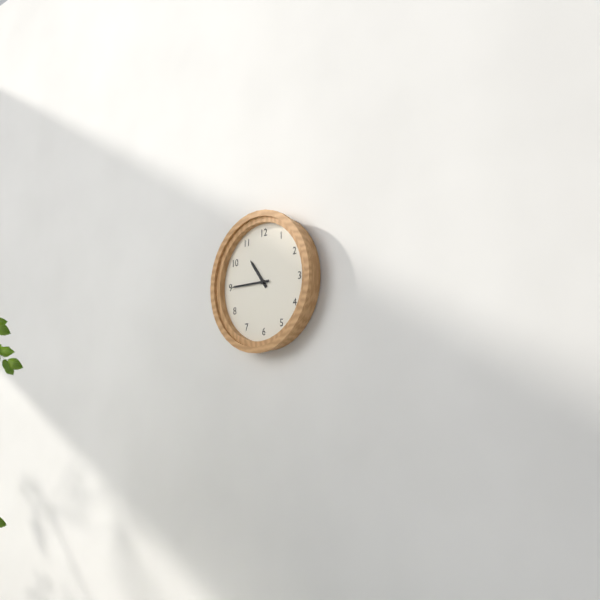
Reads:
h=10 m=45
